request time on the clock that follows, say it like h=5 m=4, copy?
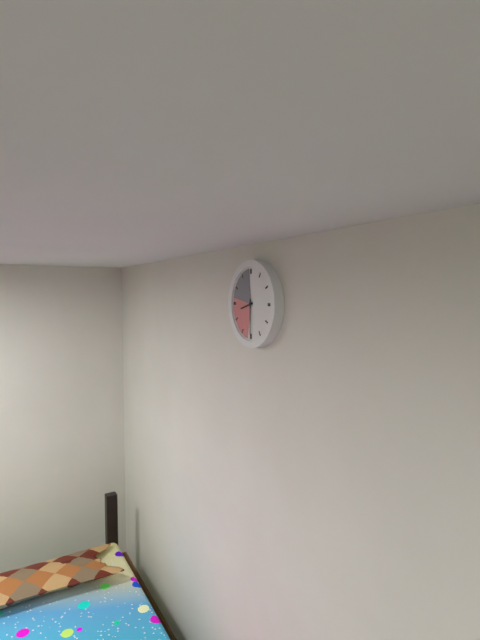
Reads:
h=8 m=30
